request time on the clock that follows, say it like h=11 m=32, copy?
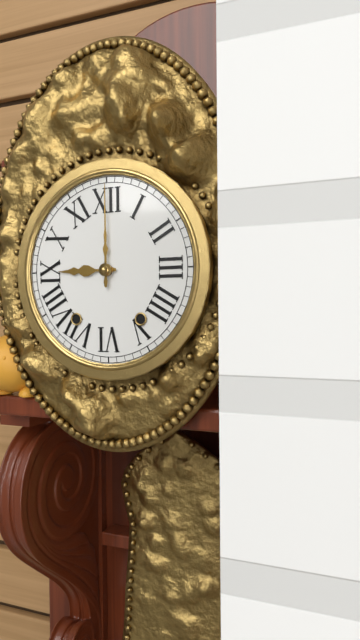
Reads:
h=9 m=0
